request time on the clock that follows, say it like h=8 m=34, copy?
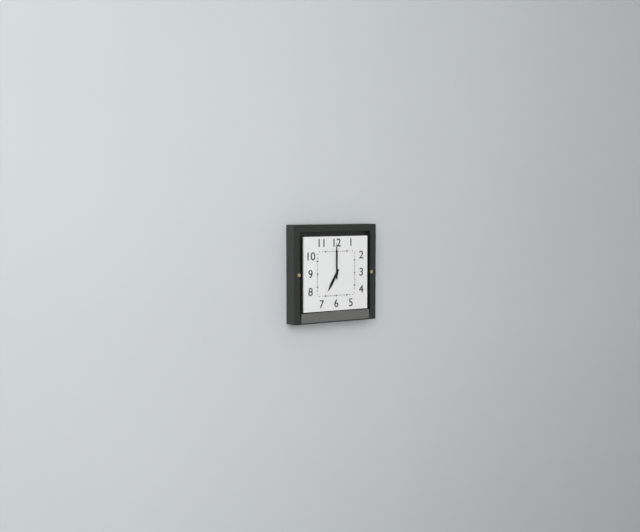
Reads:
h=7 m=0
